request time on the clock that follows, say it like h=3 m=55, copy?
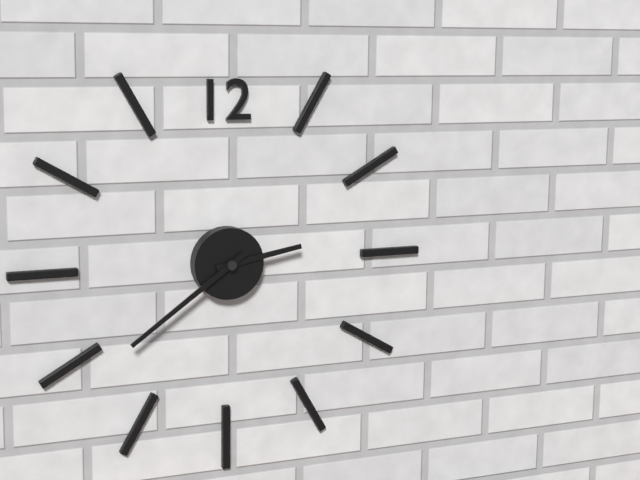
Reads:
h=2 m=39
